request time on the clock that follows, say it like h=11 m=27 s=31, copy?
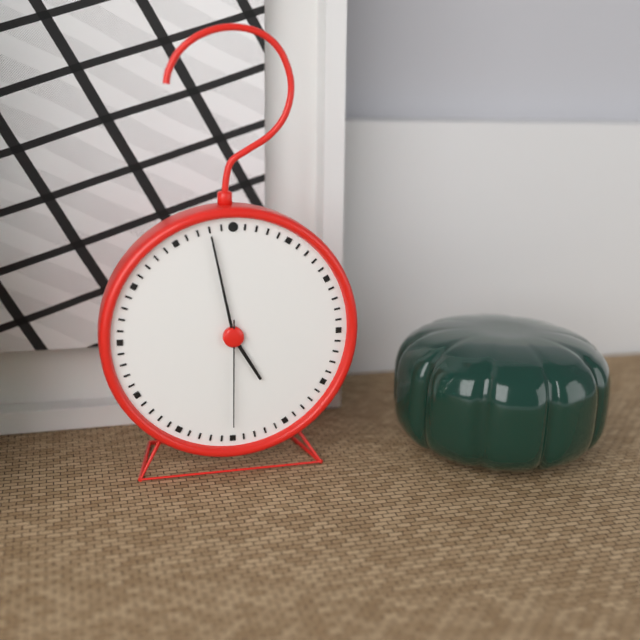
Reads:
h=4 m=58 s=30
